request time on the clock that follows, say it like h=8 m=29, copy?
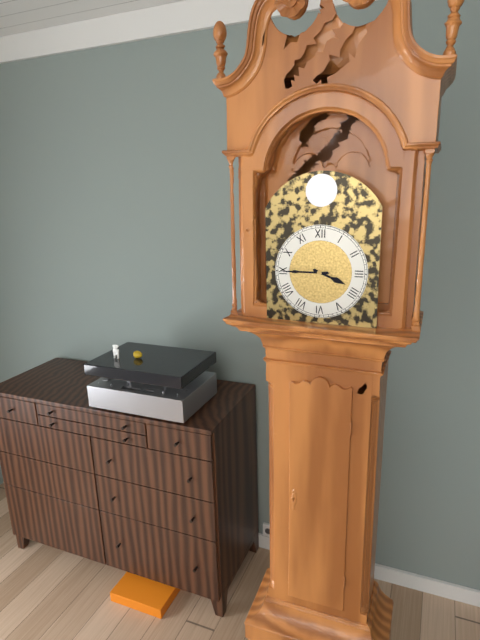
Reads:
h=3 m=45
